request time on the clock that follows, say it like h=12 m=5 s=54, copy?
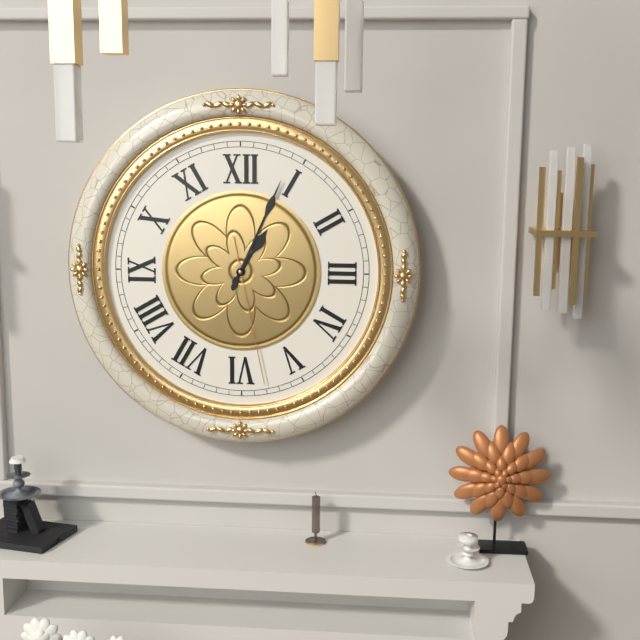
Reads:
h=1 m=4 s=28
